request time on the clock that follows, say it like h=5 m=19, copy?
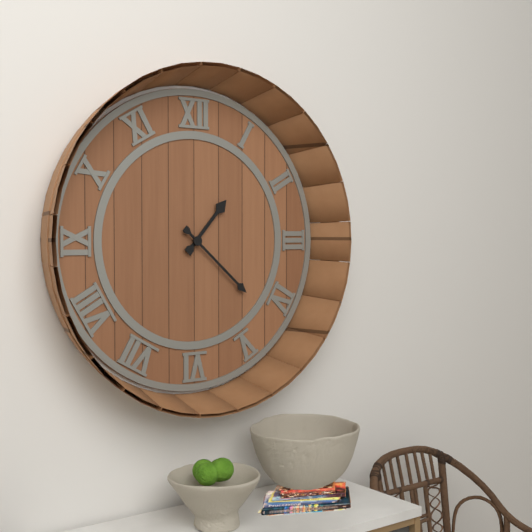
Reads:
h=1 m=22
